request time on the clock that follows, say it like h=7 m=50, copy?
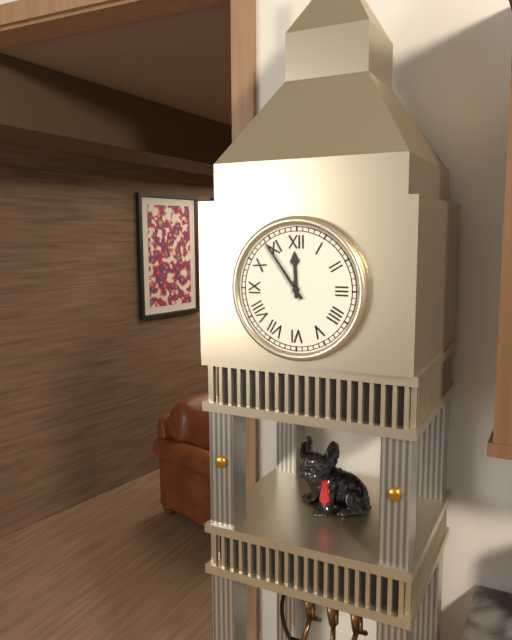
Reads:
h=11 m=54
